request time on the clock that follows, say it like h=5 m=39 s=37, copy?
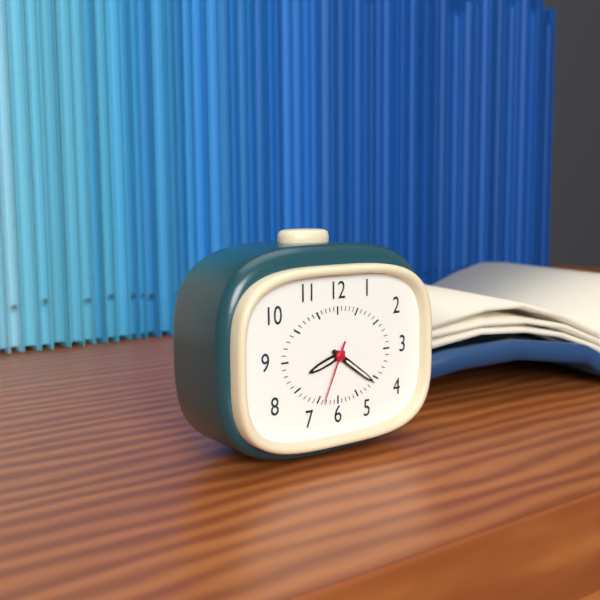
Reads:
h=8 m=21 s=34
